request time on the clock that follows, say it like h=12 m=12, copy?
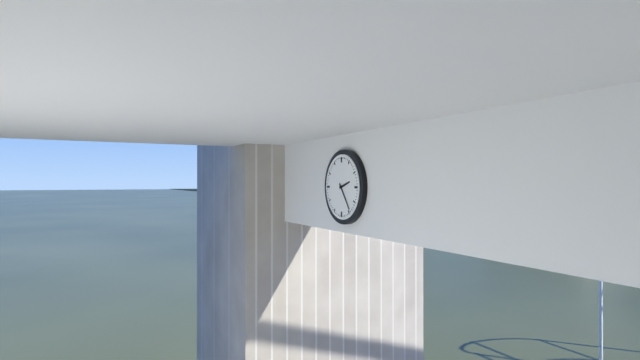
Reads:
h=2 m=24
